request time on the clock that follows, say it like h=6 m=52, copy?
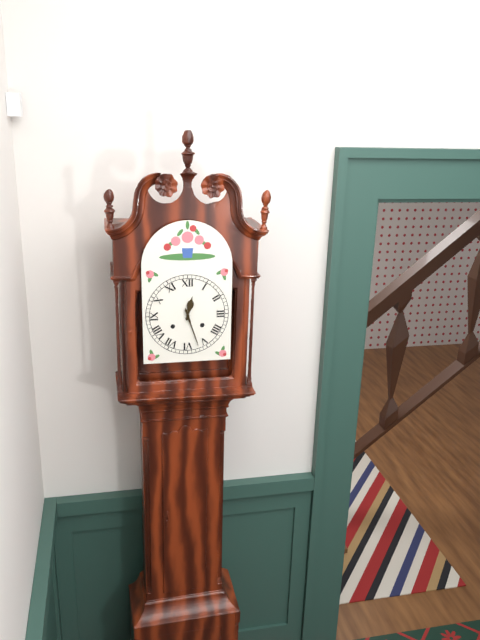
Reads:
h=12 m=27
